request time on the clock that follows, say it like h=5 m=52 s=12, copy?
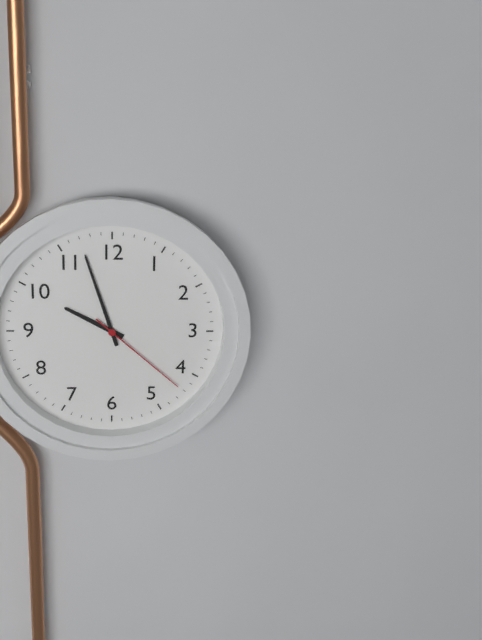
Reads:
h=9 m=57 s=22
